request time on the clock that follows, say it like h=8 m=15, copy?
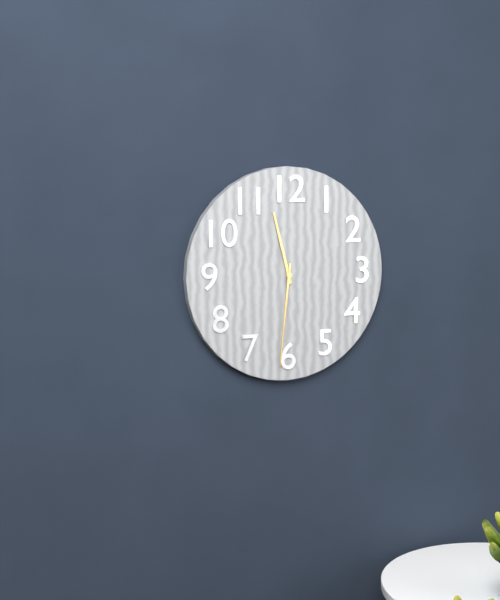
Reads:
h=11 m=31
